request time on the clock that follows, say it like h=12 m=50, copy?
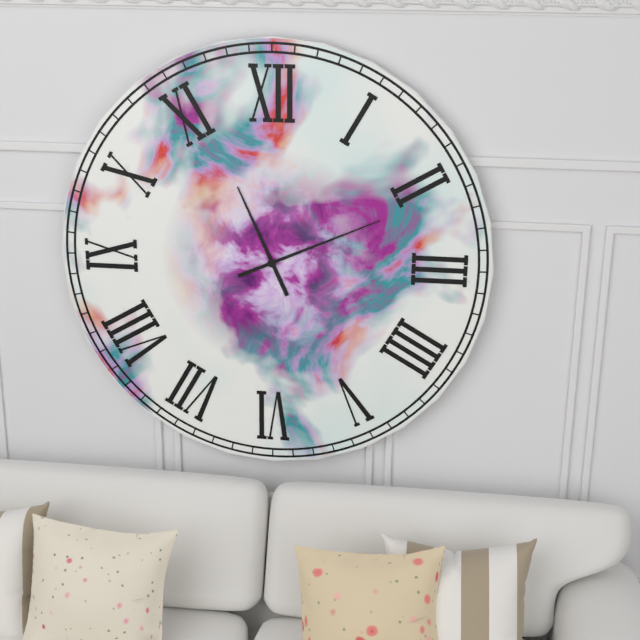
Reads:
h=11 m=11
